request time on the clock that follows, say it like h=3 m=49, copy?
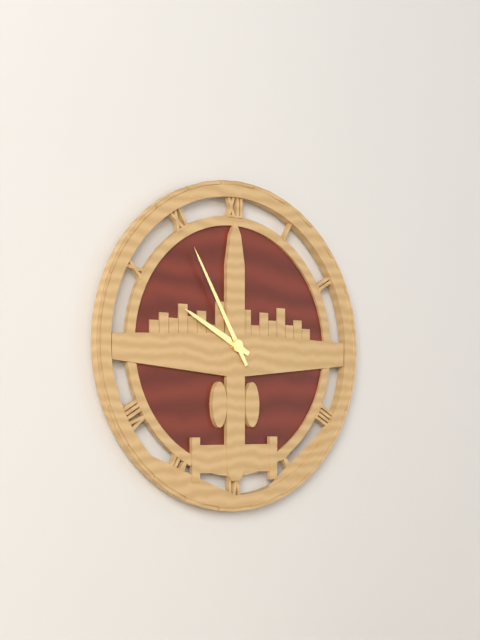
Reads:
h=9 m=55
